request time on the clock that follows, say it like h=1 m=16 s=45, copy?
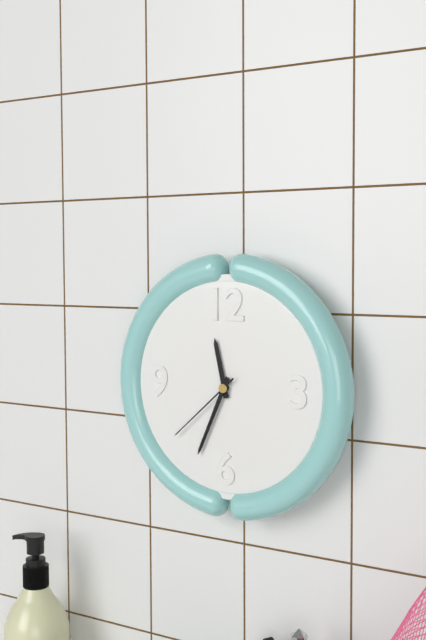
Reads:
h=11 m=34 s=38
